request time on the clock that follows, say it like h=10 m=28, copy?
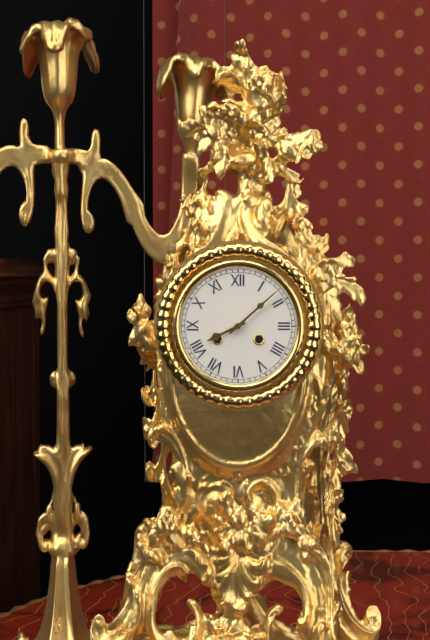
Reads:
h=8 m=8
